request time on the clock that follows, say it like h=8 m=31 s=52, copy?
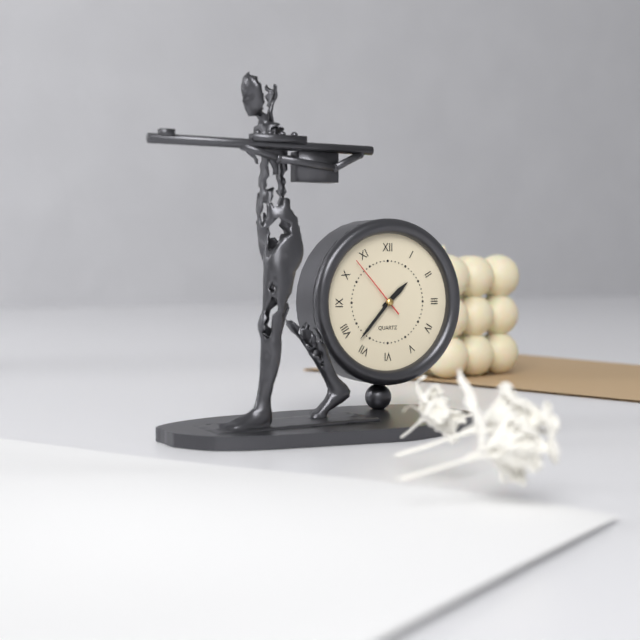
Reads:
h=1 m=37 s=53
